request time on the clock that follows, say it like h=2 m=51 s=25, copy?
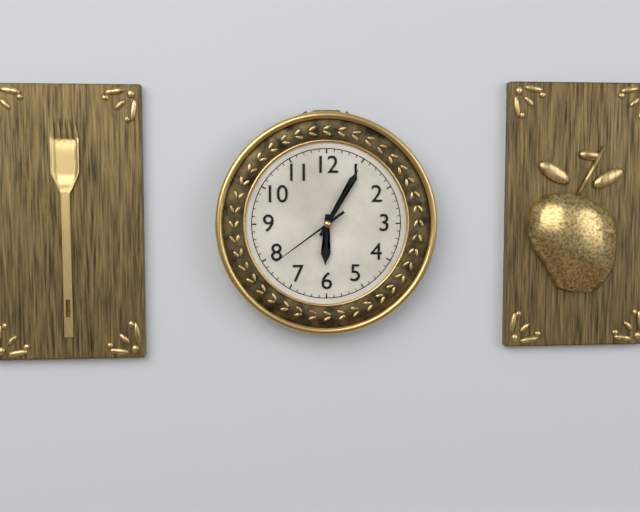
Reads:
h=6 m=5 s=39
